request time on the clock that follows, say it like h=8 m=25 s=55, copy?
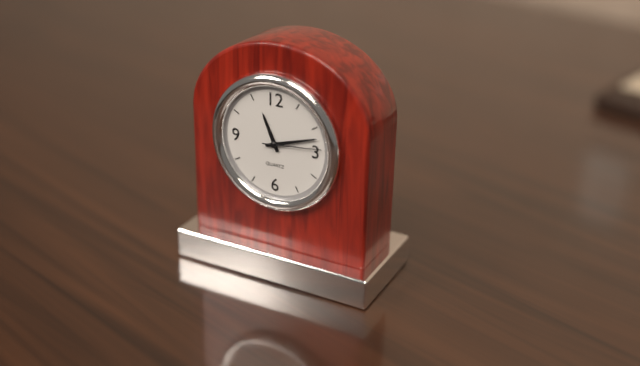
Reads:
h=11 m=12 s=14
